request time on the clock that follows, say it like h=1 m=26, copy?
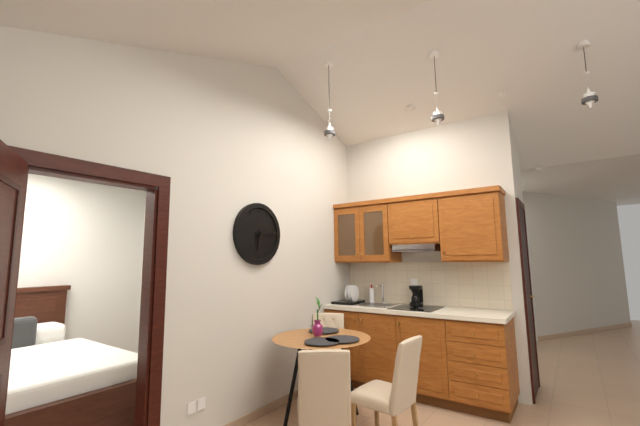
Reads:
h=6 m=14
